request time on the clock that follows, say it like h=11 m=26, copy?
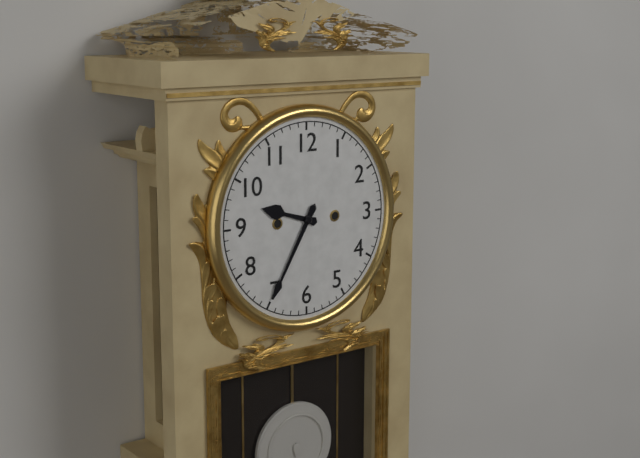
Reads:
h=9 m=35
